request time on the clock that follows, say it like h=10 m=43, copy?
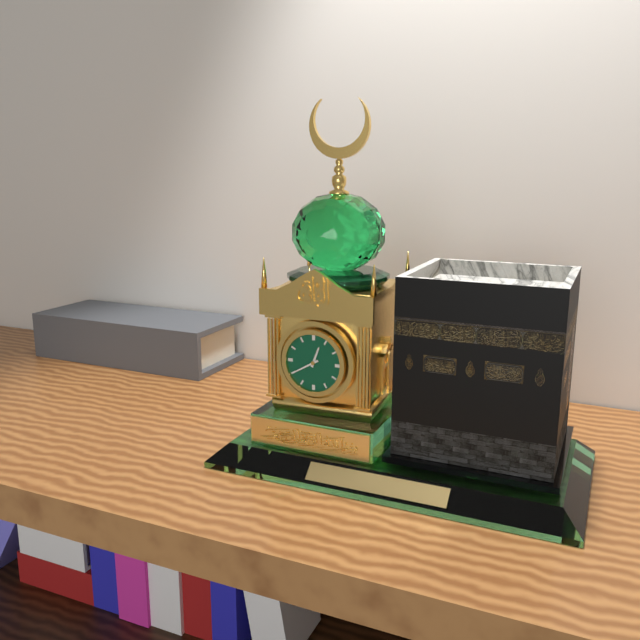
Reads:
h=12 m=40
